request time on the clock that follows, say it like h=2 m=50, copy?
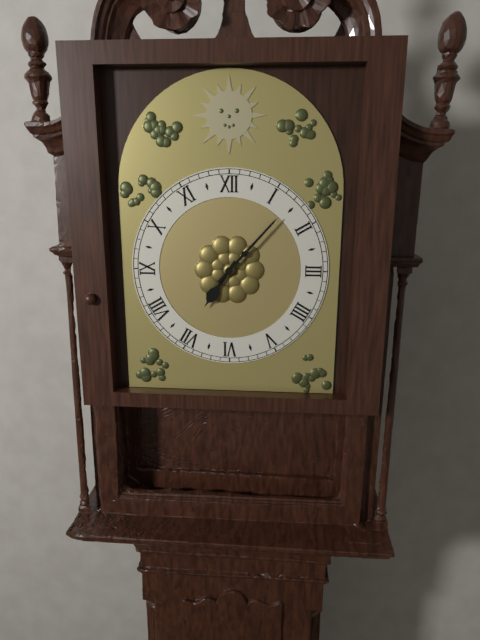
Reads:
h=7 m=7
